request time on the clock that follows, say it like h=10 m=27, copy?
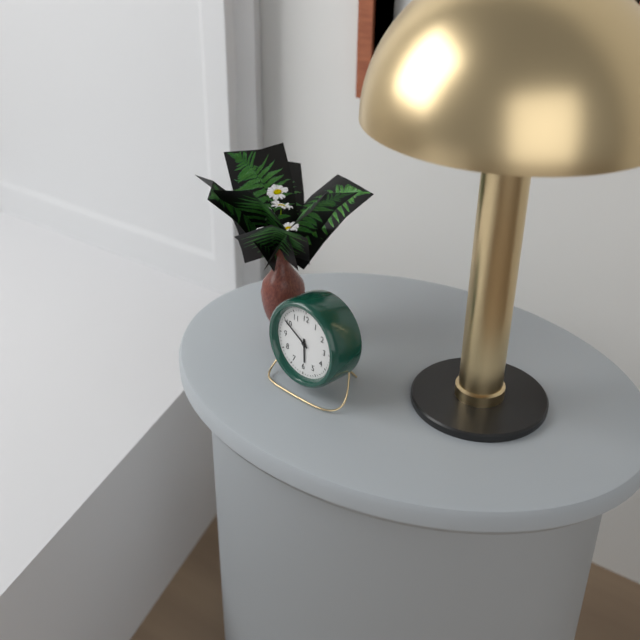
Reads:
h=5 m=50
